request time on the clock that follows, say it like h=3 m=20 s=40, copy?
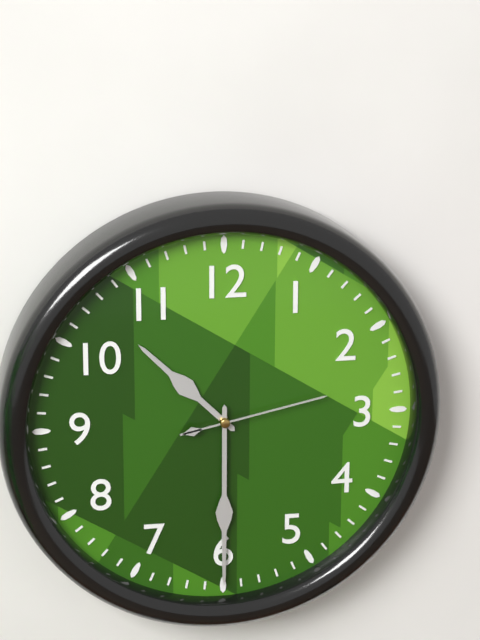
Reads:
h=10 m=30 s=13
